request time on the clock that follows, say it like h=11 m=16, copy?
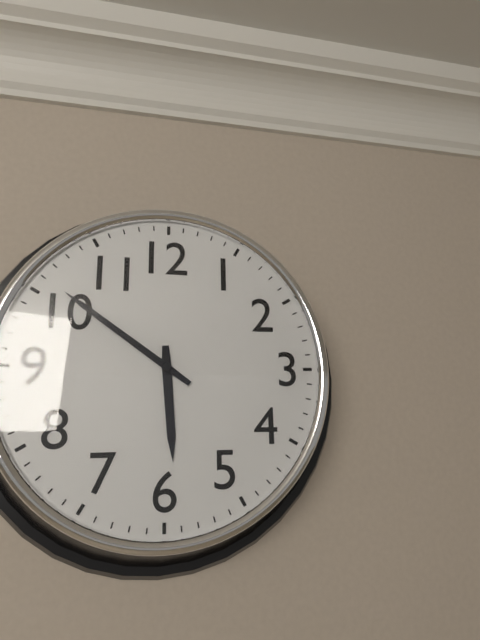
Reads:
h=5 m=51
